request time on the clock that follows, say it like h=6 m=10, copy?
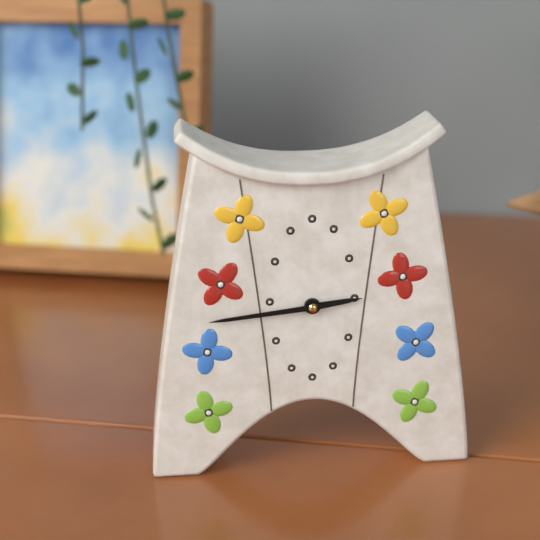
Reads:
h=2 m=44
